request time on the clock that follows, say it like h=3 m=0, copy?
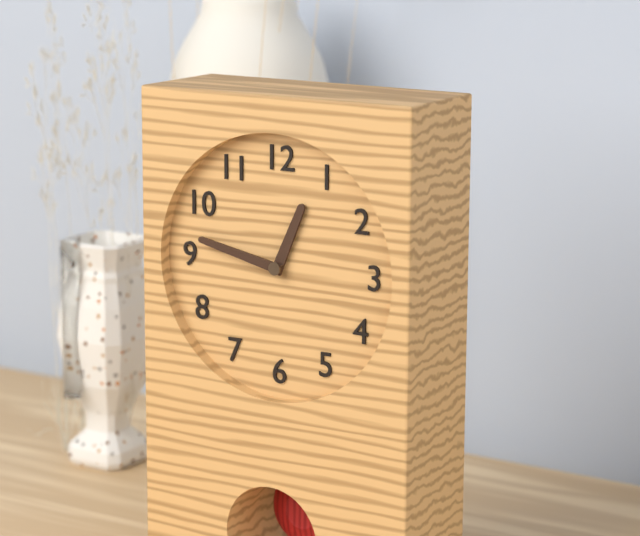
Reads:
h=12 m=47
